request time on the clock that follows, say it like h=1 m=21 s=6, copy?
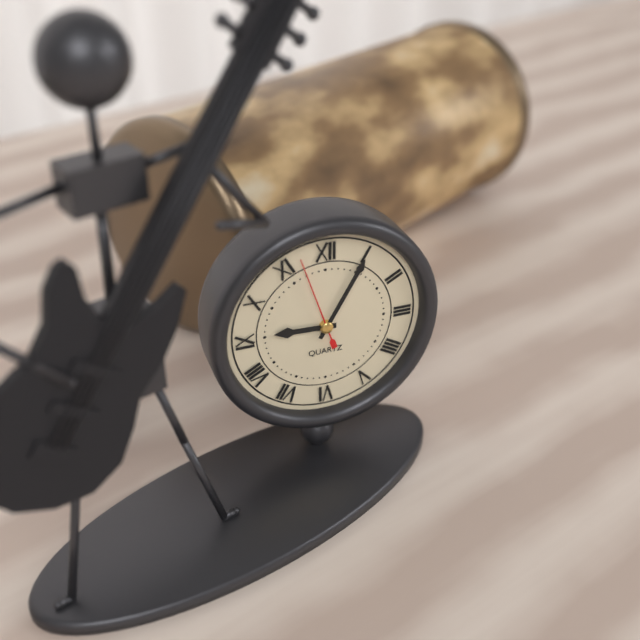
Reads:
h=9 m=5 s=57
